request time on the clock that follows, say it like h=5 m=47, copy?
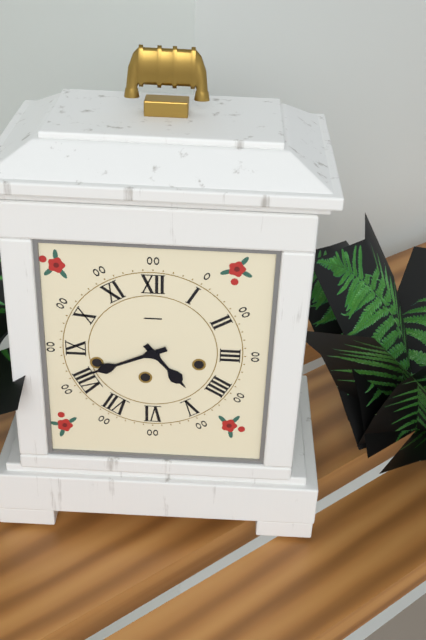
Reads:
h=4 m=41
